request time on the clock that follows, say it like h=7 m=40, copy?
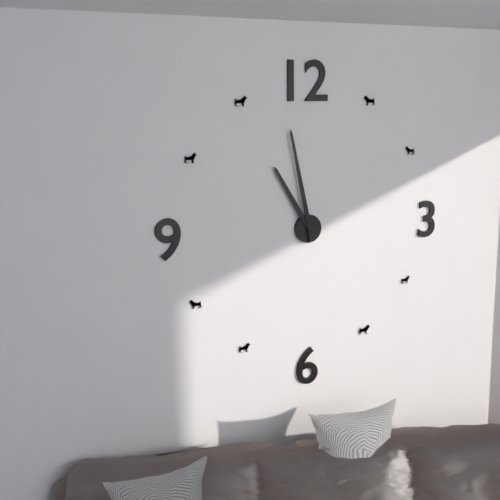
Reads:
h=10 m=58
